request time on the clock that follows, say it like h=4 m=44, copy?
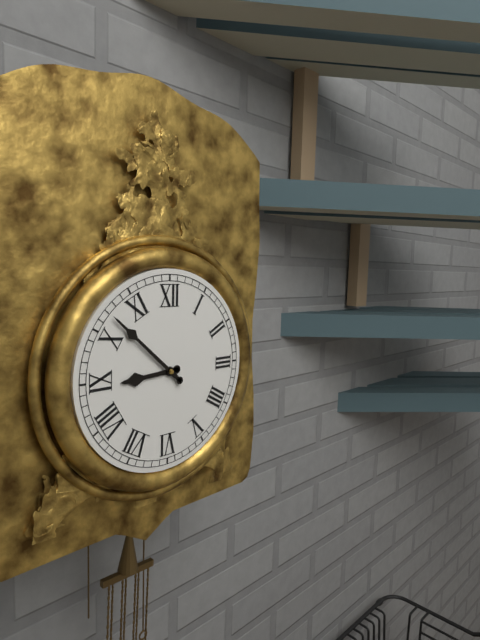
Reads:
h=8 m=52
